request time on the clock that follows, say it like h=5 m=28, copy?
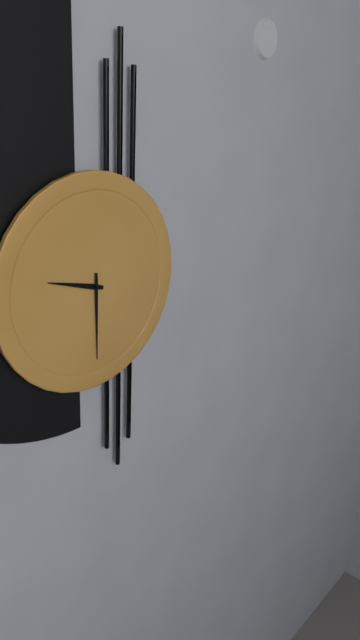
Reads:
h=9 m=30
